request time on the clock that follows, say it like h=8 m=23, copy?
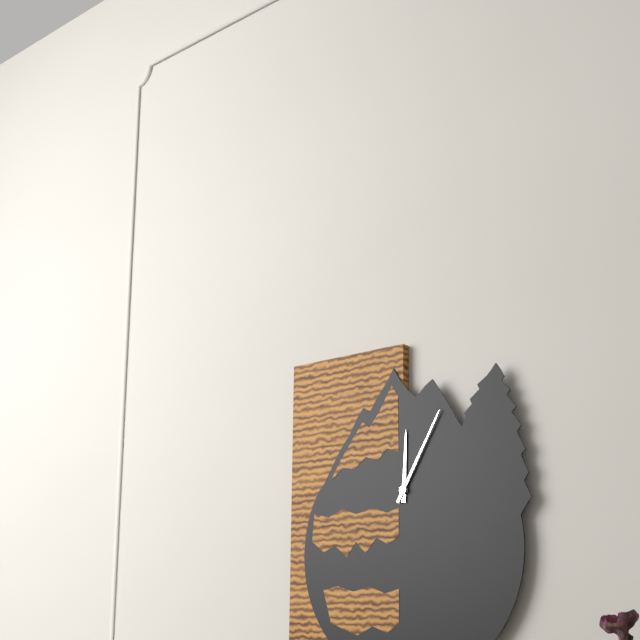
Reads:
h=12 m=5
